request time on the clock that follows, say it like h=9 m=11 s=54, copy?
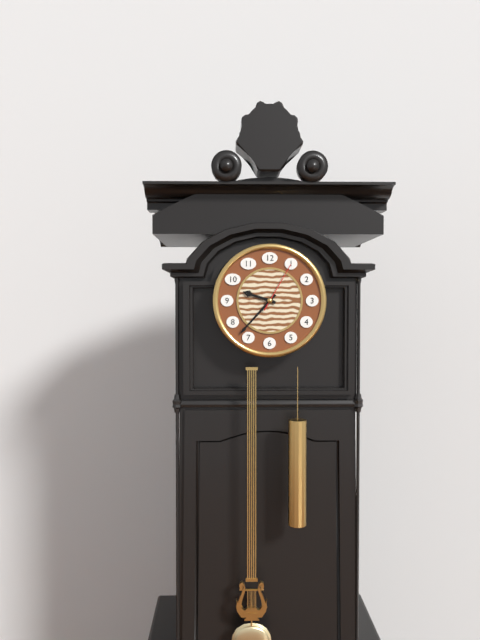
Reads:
h=9 m=37 s=5
